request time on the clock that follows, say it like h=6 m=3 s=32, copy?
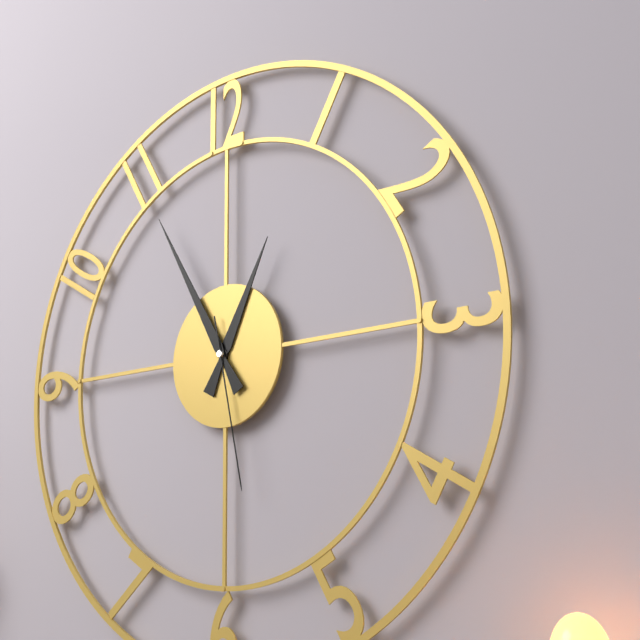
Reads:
h=12 m=55 s=28
